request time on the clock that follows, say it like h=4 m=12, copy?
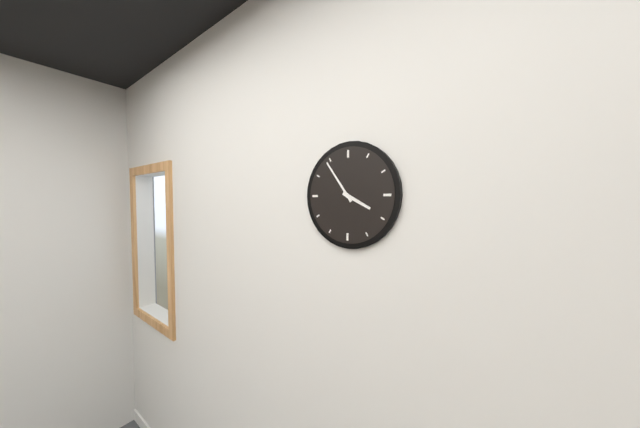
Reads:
h=3 m=54
